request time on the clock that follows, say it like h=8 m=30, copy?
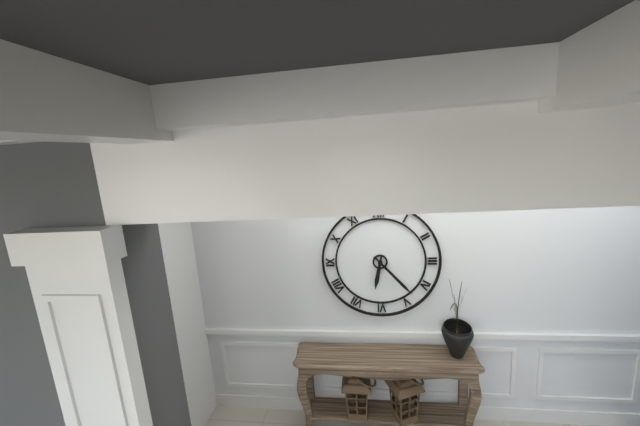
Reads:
h=6 m=23
